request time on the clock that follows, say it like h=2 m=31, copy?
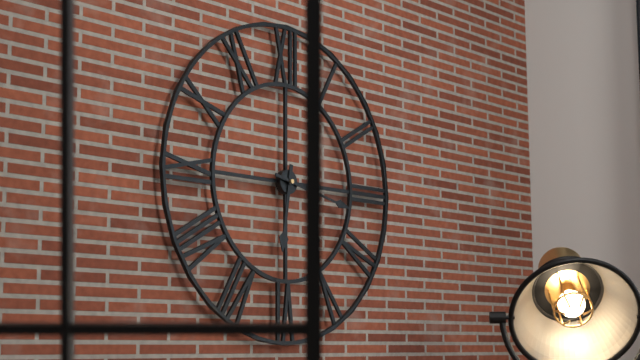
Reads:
h=6 m=17
